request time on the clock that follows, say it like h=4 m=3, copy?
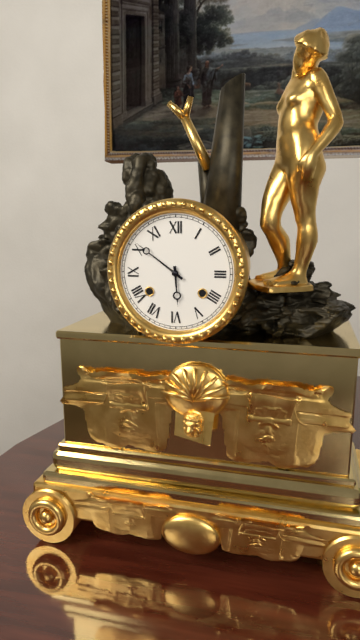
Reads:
h=5 m=51
